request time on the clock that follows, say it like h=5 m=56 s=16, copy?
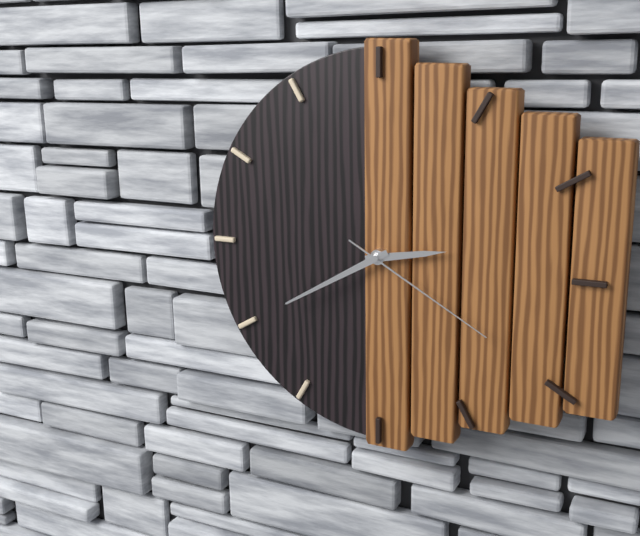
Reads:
h=2 m=40 s=20
